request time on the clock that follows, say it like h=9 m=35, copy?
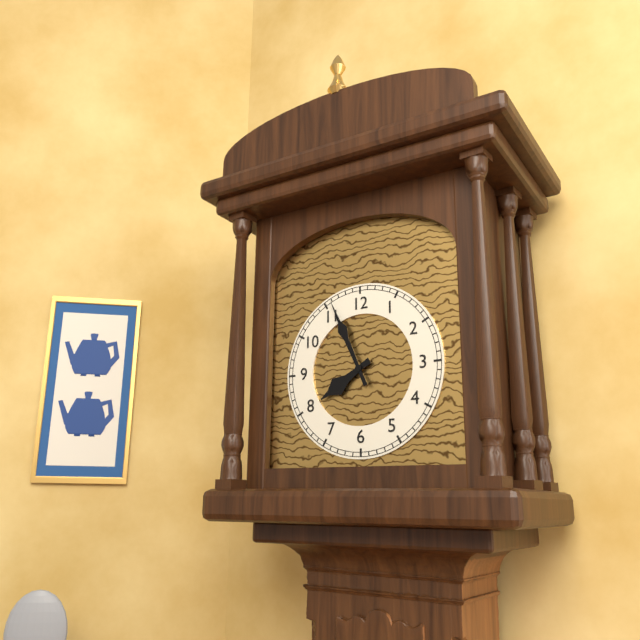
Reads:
h=7 m=56
